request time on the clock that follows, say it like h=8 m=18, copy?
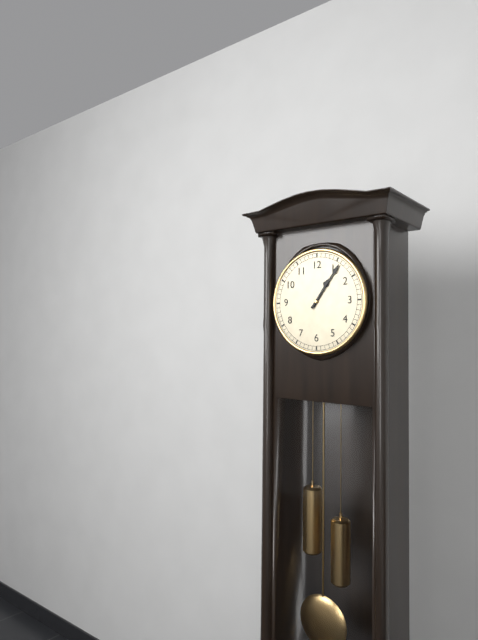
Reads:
h=1 m=6
